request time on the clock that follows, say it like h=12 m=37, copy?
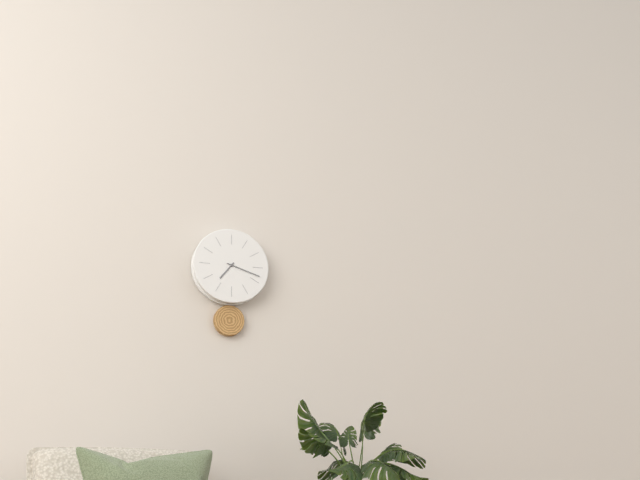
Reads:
h=7 m=18
